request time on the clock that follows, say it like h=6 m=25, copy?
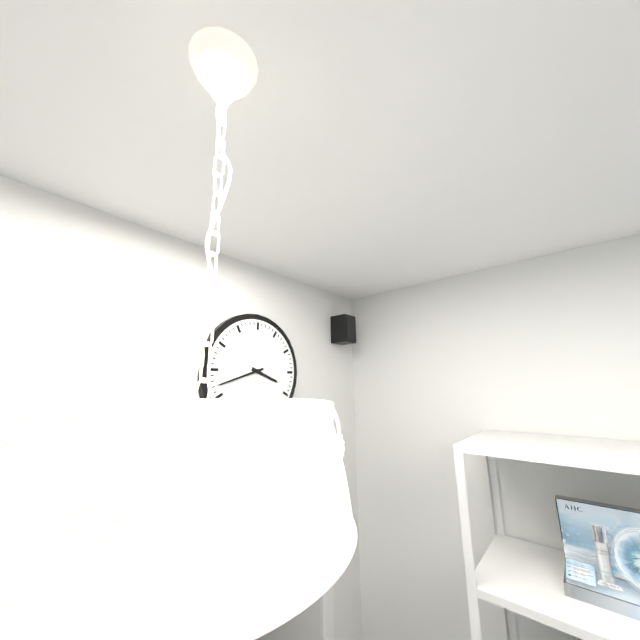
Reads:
h=3 m=42
